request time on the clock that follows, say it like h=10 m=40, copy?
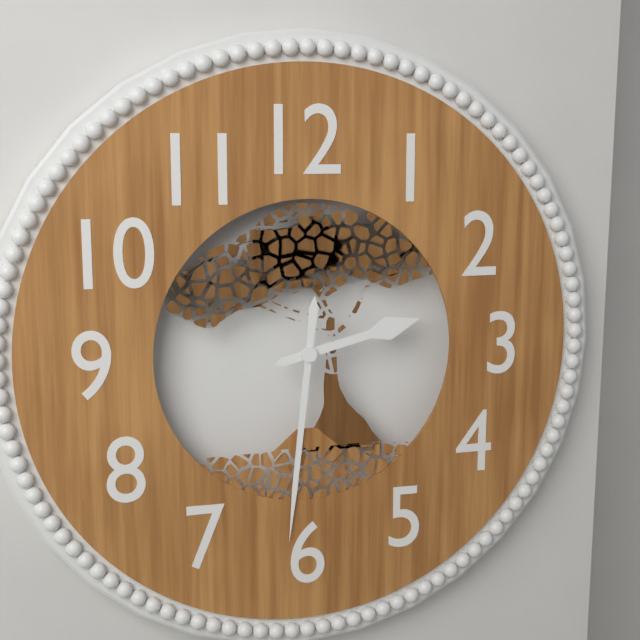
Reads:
h=2 m=31
